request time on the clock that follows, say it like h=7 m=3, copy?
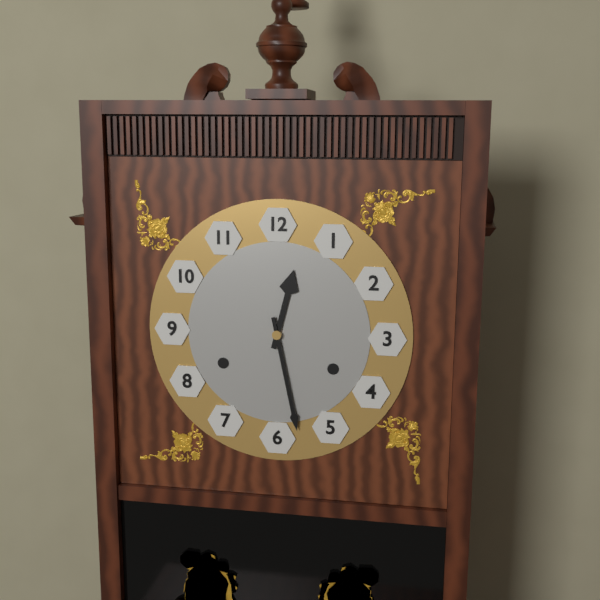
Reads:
h=12 m=28
